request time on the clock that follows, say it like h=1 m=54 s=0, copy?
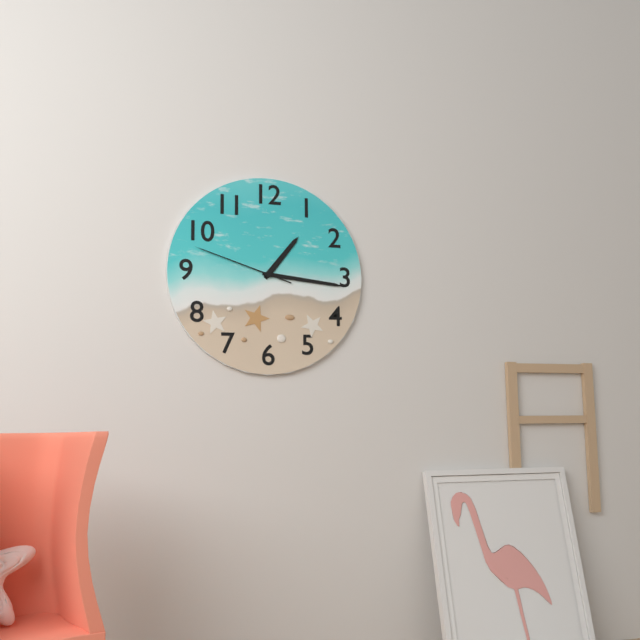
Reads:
h=1 m=16 s=48
